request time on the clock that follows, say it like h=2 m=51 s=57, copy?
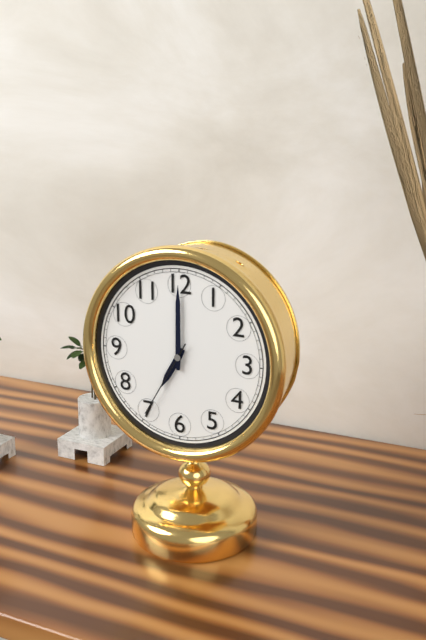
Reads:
h=7 m=0 s=35
